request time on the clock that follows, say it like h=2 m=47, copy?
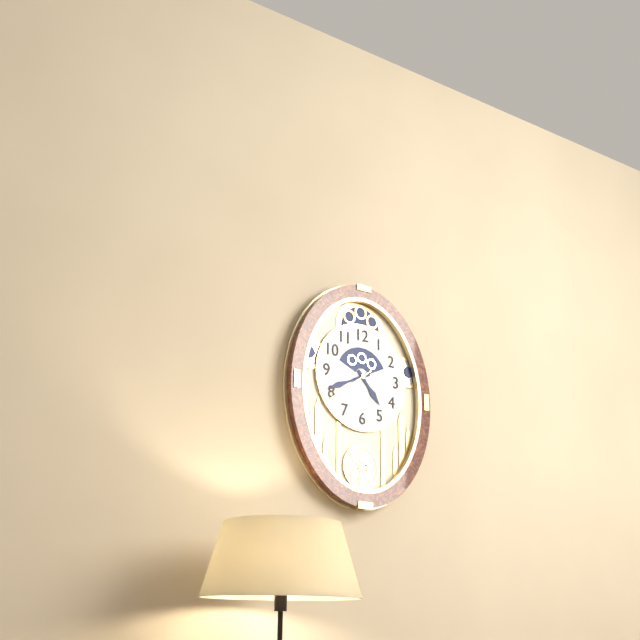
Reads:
h=4 m=41
